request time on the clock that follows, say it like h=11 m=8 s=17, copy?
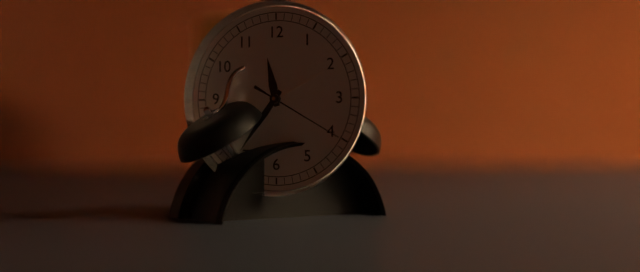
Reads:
h=11 m=36 s=20
